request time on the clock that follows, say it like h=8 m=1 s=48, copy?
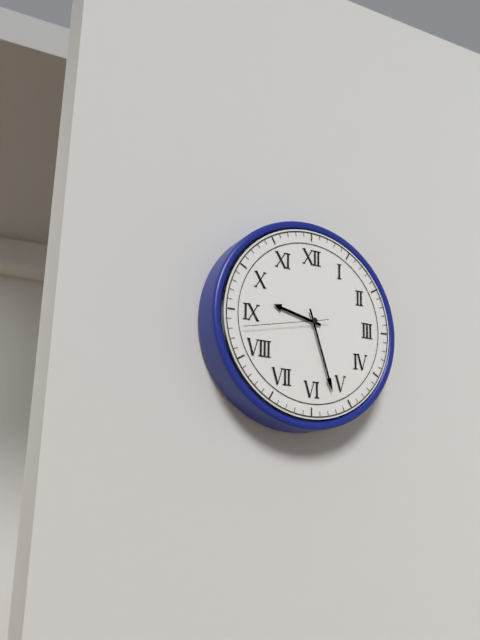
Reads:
h=9 m=27 s=43
